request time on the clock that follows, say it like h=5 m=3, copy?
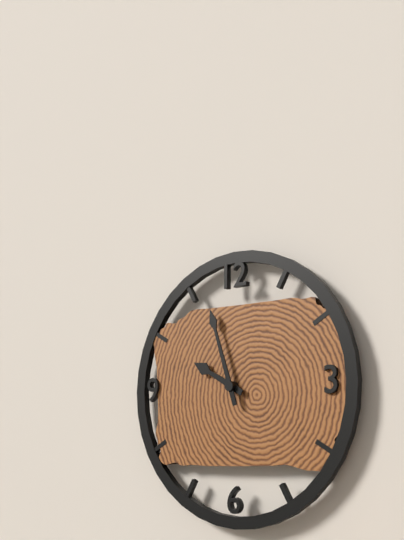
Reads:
h=9 m=57
